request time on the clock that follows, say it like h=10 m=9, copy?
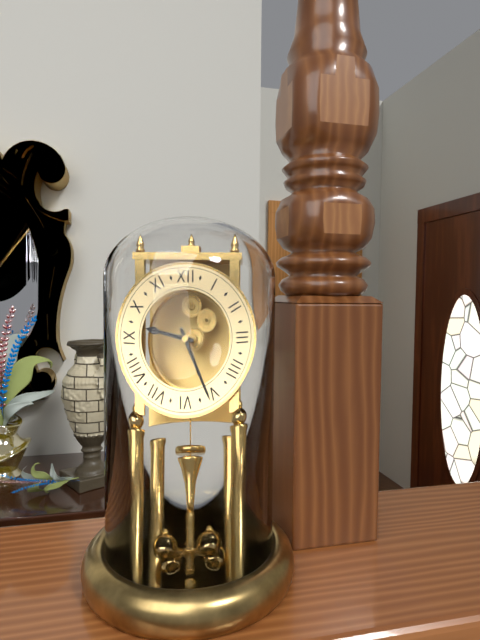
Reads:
h=9 m=26
